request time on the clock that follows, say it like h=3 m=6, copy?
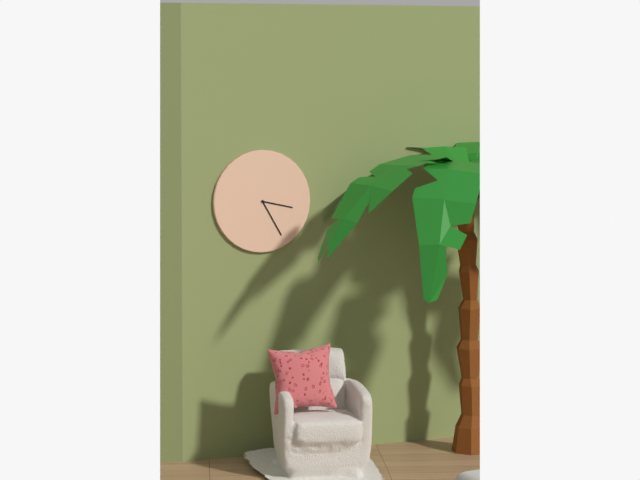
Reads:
h=3 m=25
